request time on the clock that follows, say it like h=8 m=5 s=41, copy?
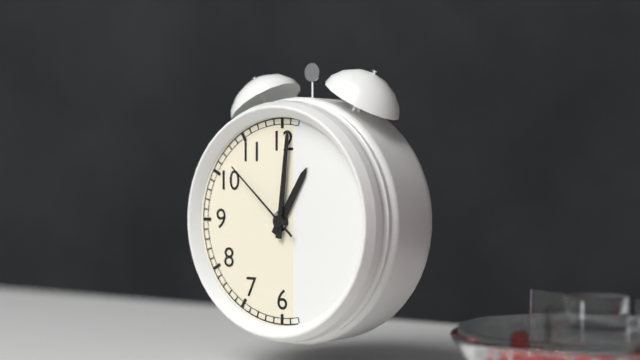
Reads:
h=1 m=1 s=52
